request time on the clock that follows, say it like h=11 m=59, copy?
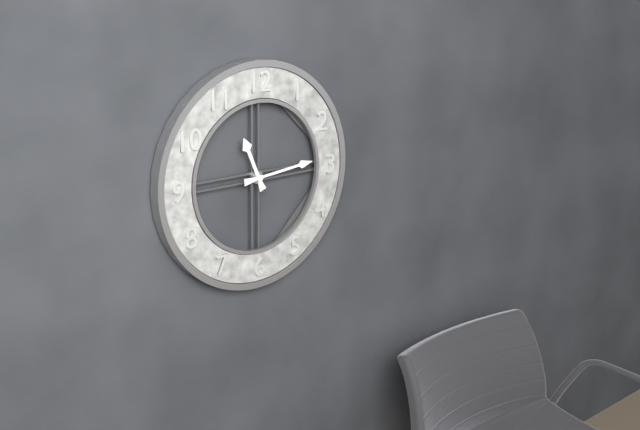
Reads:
h=11 m=14
